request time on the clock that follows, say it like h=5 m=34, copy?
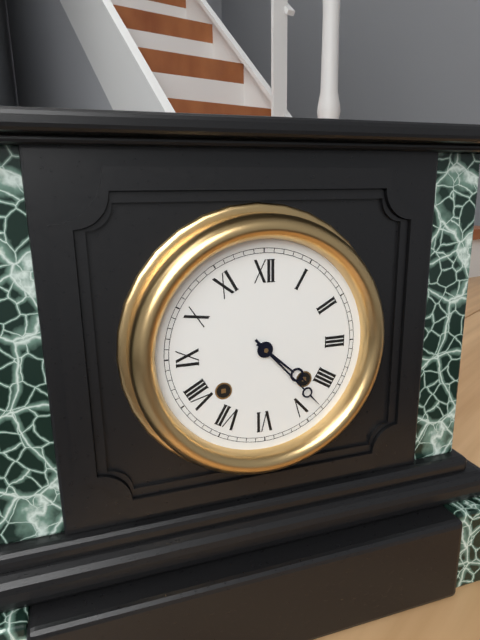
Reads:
h=4 m=23
